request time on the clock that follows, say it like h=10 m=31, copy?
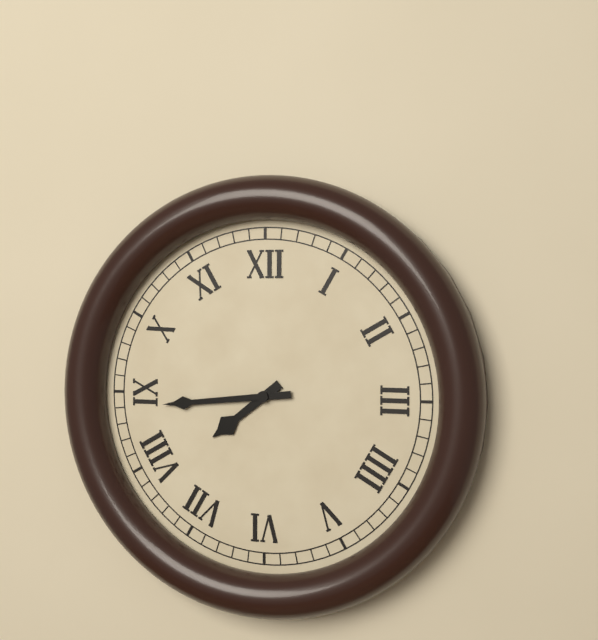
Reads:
h=7 m=44
